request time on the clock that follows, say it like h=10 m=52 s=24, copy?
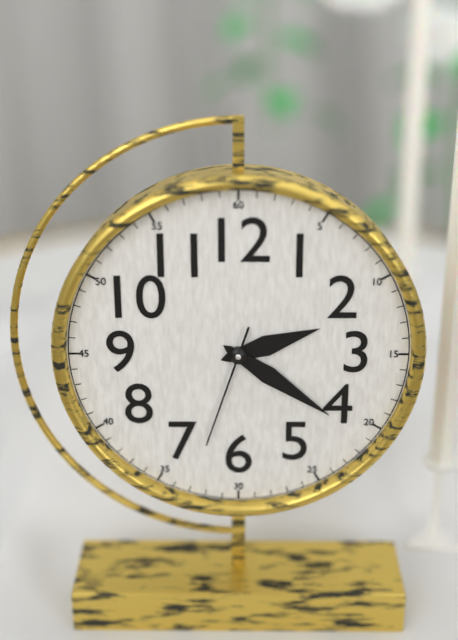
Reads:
h=2 m=21 s=33
